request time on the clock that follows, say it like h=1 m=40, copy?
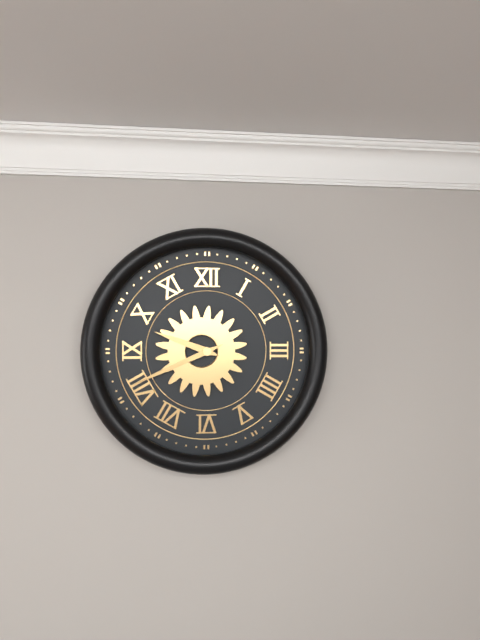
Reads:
h=9 m=41
